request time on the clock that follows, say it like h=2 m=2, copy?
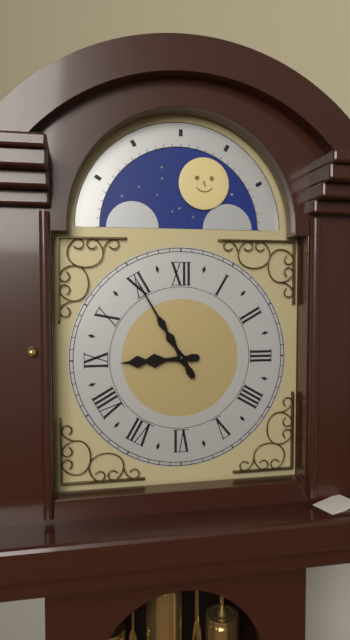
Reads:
h=8 m=55
